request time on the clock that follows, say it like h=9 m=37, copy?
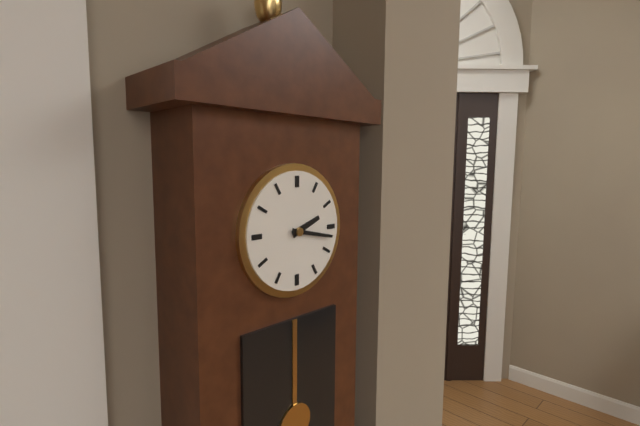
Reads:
h=2 m=17
